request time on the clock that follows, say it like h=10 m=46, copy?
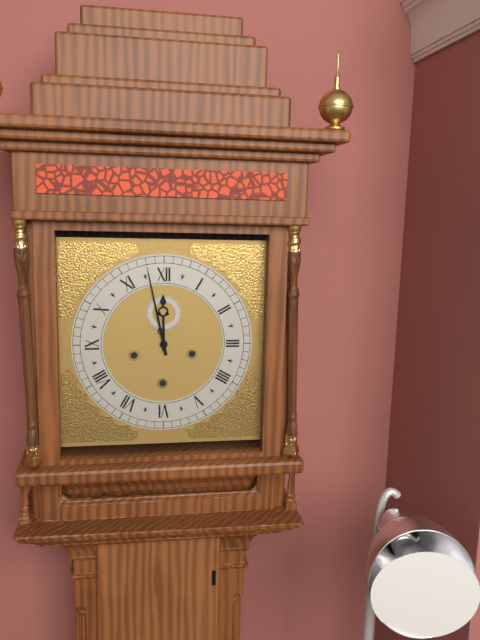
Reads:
h=11 m=58
